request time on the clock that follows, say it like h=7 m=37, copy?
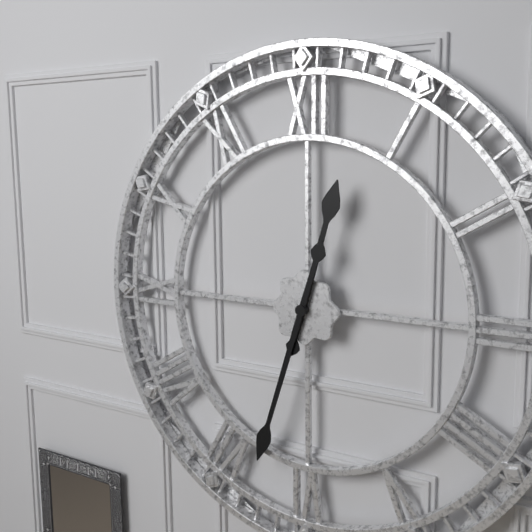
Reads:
h=12 m=33
